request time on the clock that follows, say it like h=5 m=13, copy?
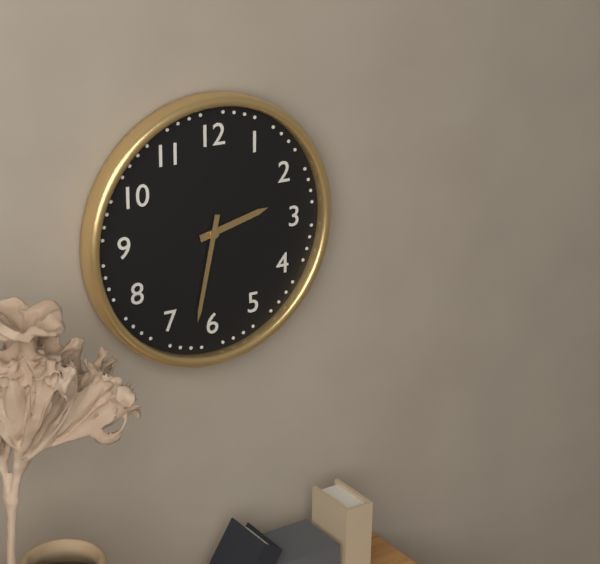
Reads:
h=2 m=32
